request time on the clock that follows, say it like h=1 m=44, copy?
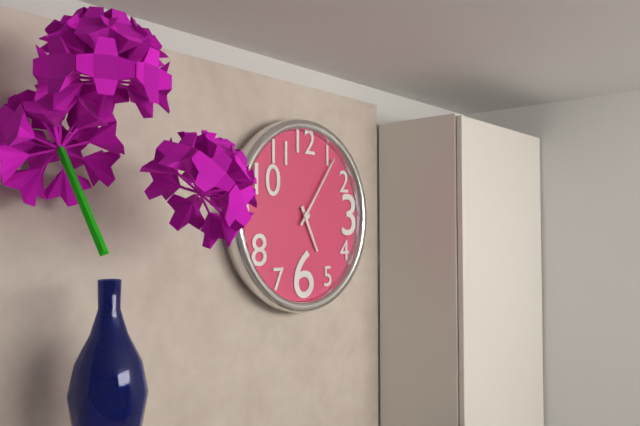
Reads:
h=5 m=6
